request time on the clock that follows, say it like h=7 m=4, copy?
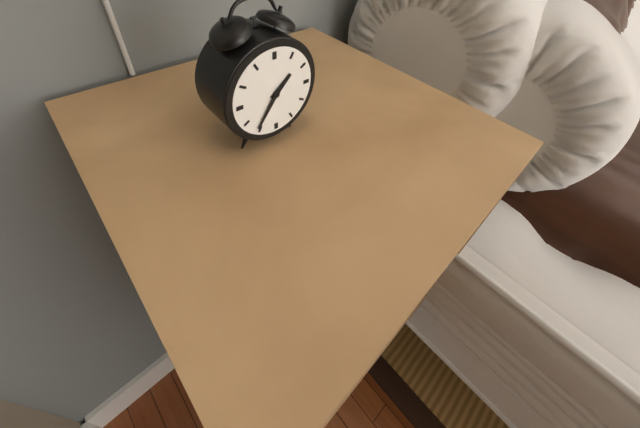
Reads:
h=1 m=36
